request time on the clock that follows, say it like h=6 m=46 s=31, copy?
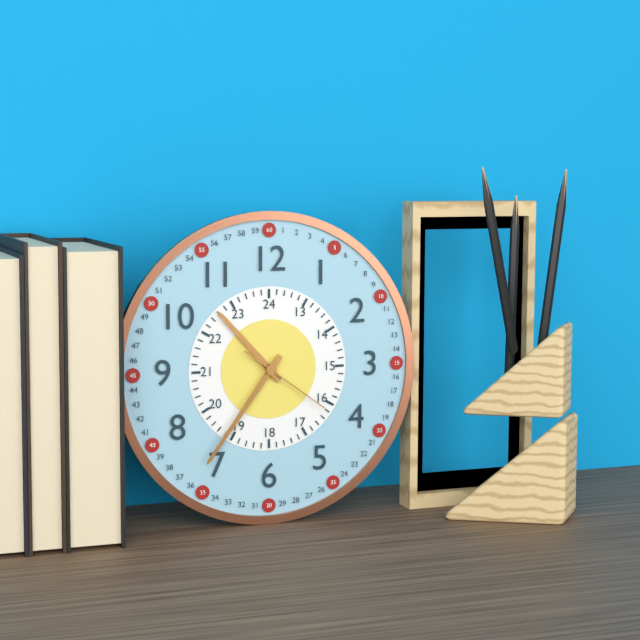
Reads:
h=10 m=36 s=21
